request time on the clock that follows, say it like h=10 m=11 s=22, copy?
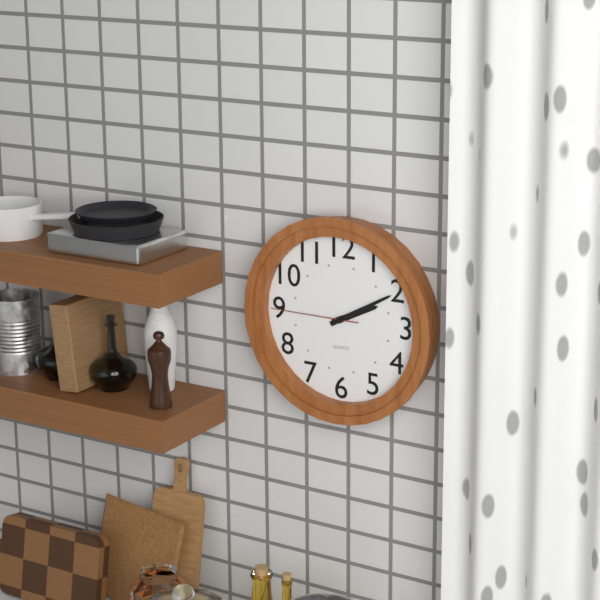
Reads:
h=2 m=10 s=45
